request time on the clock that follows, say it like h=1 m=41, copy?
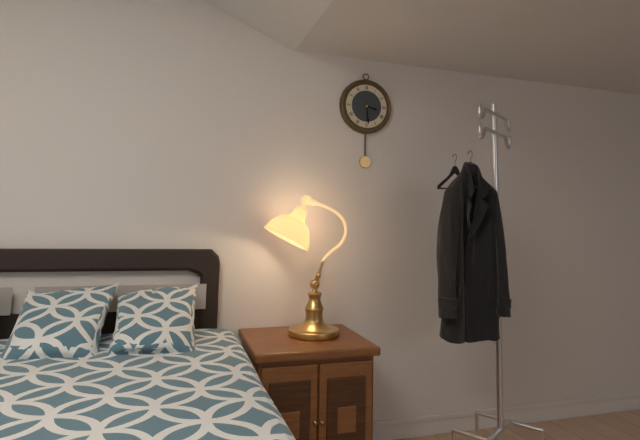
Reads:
h=3 m=29
